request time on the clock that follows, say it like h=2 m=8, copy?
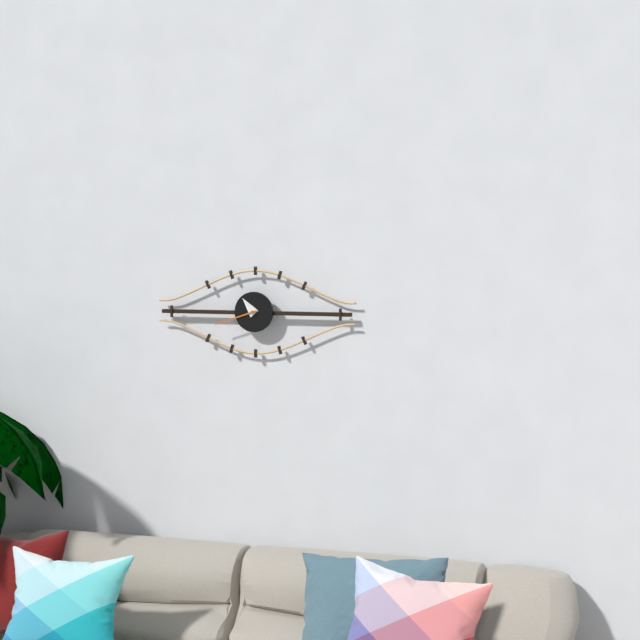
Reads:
h=10 m=42
